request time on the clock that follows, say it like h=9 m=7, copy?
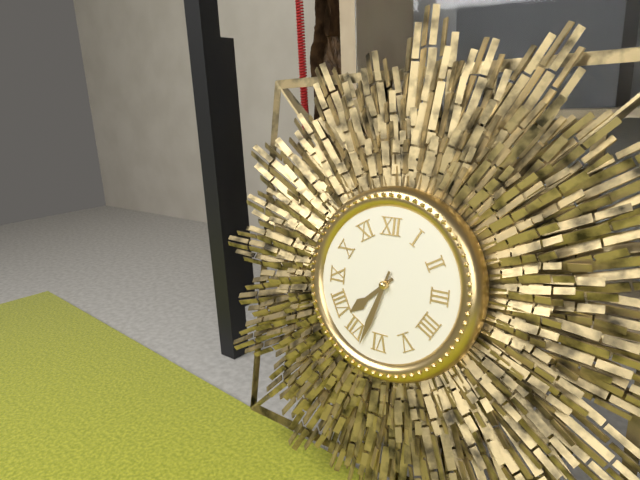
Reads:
h=7 m=33
